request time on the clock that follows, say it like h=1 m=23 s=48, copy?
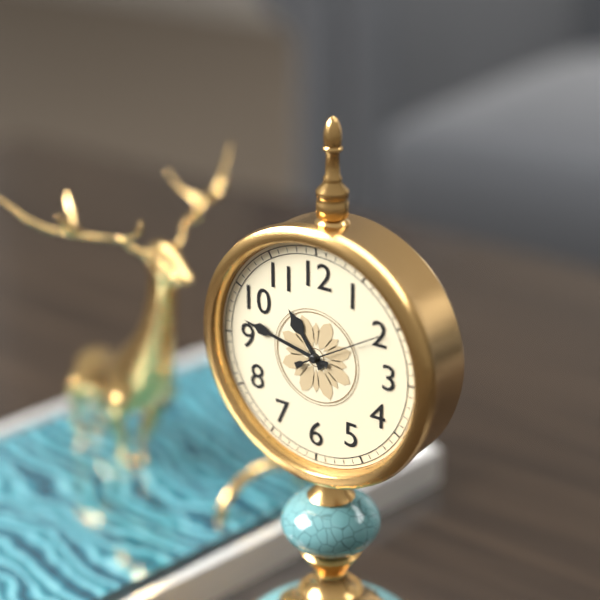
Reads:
h=10 m=47 s=10
